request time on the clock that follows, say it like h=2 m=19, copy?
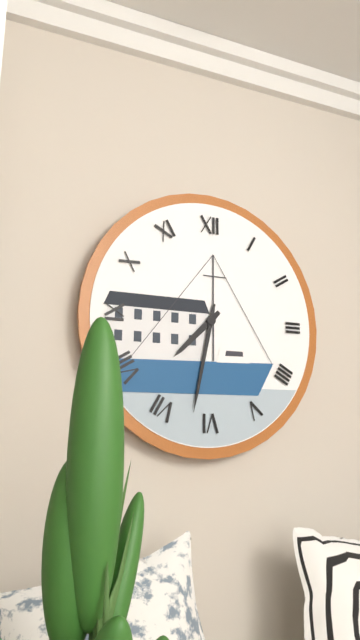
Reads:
h=7 m=32
